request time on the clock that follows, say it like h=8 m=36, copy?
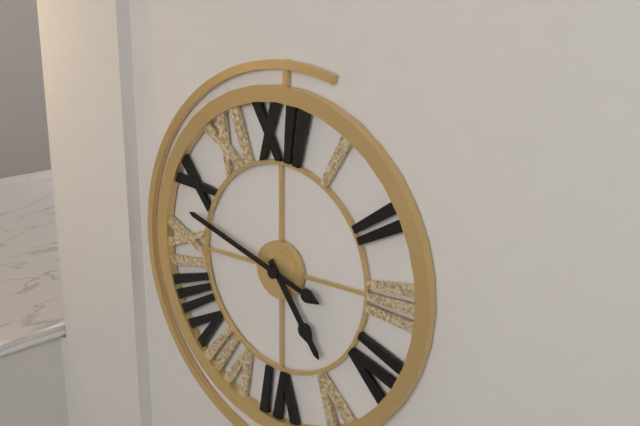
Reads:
h=4 m=48
